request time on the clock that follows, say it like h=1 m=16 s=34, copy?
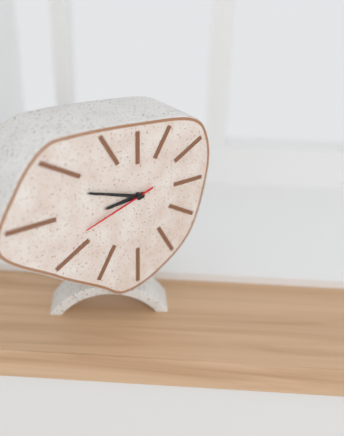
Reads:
h=8 m=48 s=42
